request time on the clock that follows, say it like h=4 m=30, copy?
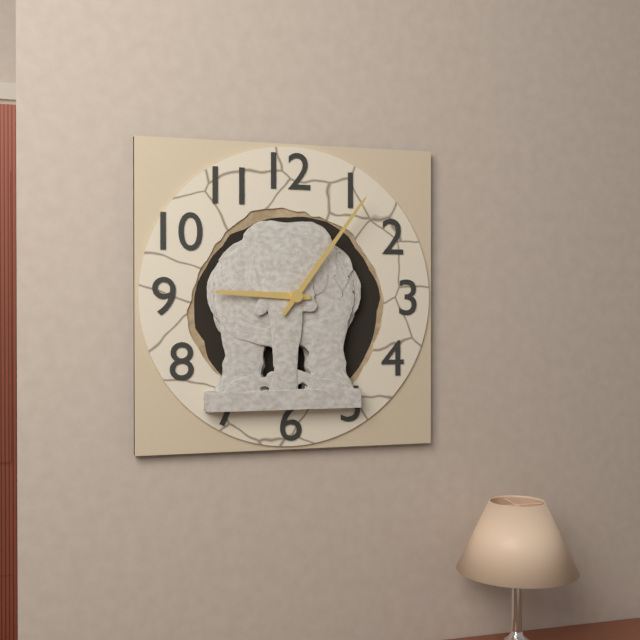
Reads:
h=9 m=6
